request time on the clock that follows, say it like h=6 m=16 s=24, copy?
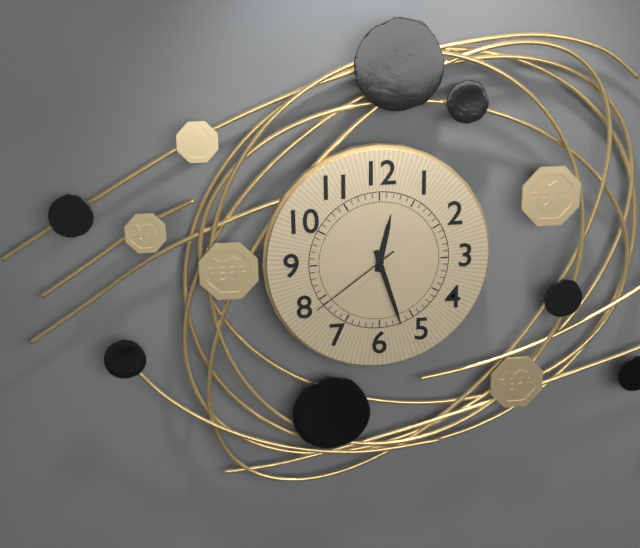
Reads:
h=12 m=27 s=39
